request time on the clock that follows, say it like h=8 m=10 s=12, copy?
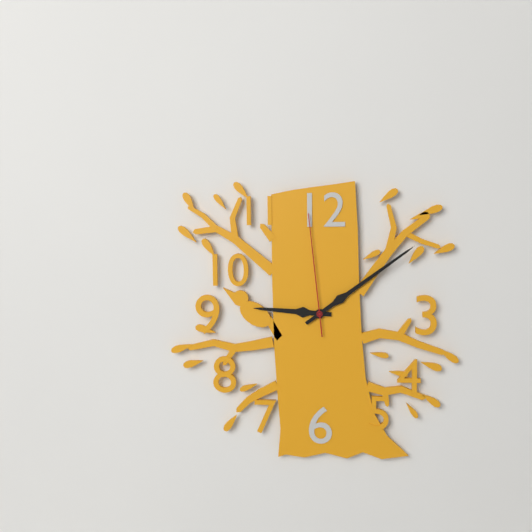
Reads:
h=9 m=9 s=59
